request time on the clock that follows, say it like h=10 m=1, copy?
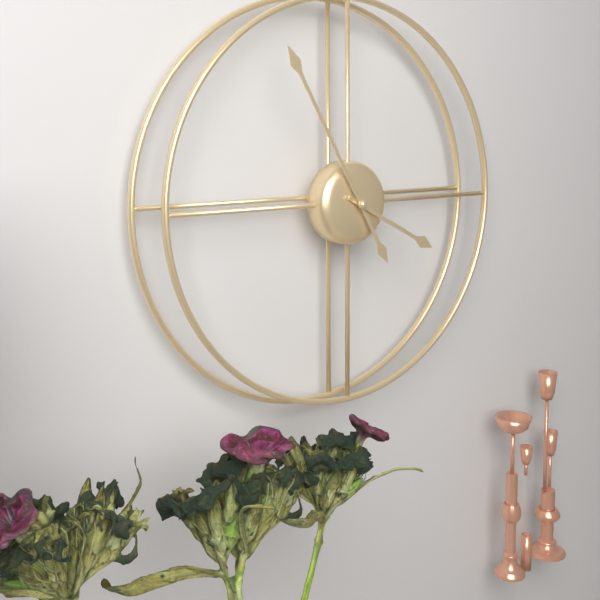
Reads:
h=3 m=55
